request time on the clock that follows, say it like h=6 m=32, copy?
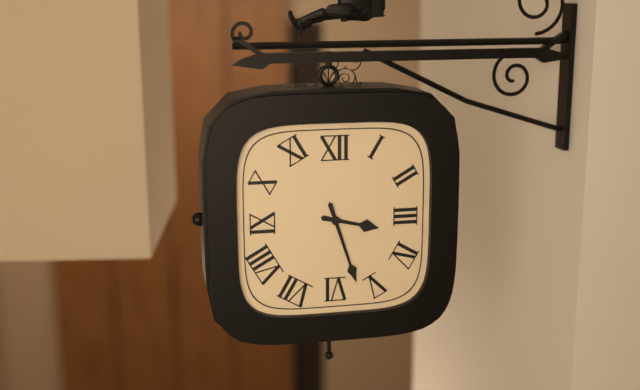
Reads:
h=3 m=27
